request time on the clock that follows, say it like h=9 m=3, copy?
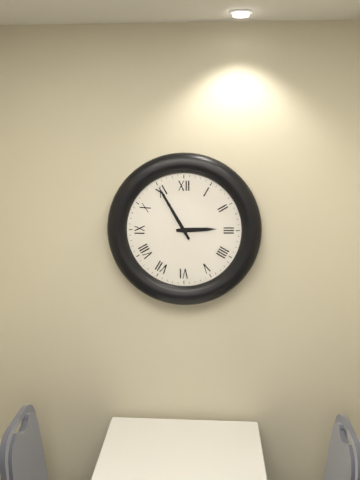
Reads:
h=2 m=55
